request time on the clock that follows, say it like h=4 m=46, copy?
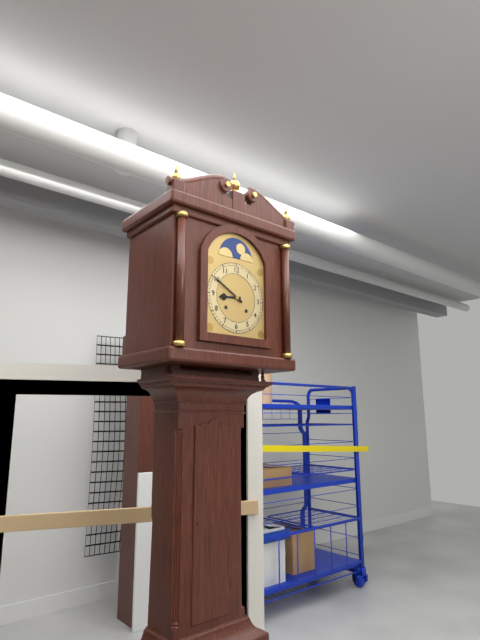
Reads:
h=8 m=50
